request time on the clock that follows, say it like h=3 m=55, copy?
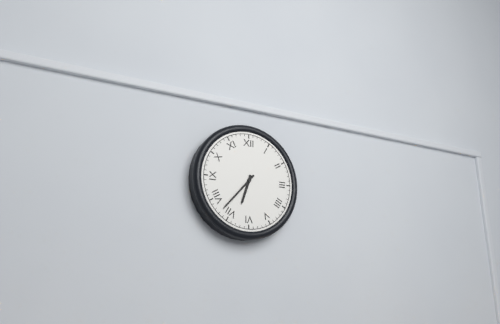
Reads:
h=6 m=37
